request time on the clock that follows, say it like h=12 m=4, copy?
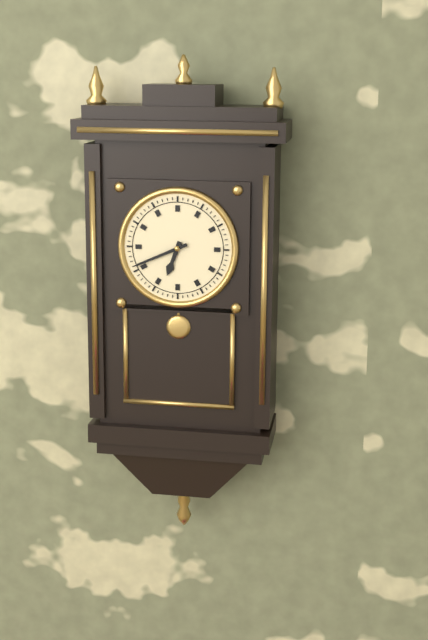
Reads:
h=6 m=41
